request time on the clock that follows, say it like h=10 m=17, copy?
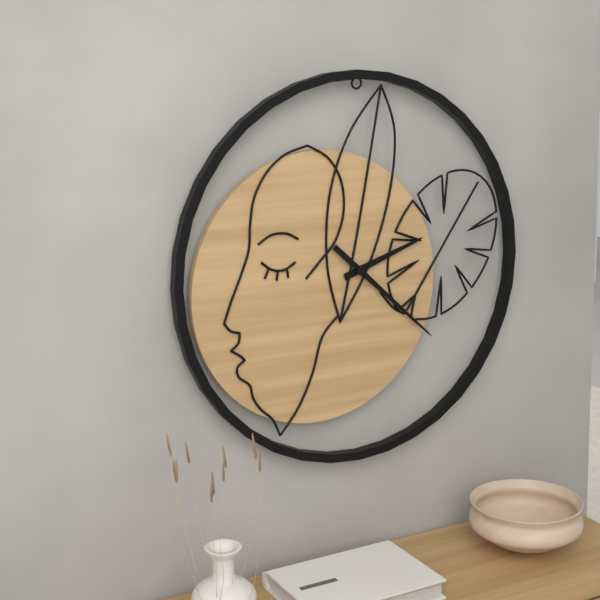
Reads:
h=2 m=22
